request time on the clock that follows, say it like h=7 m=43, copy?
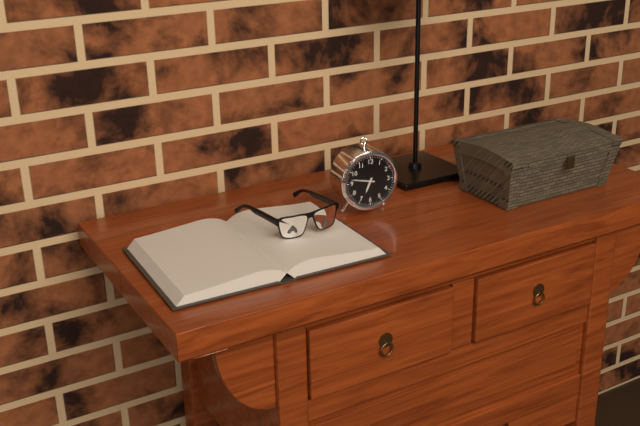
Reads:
h=6 m=47
